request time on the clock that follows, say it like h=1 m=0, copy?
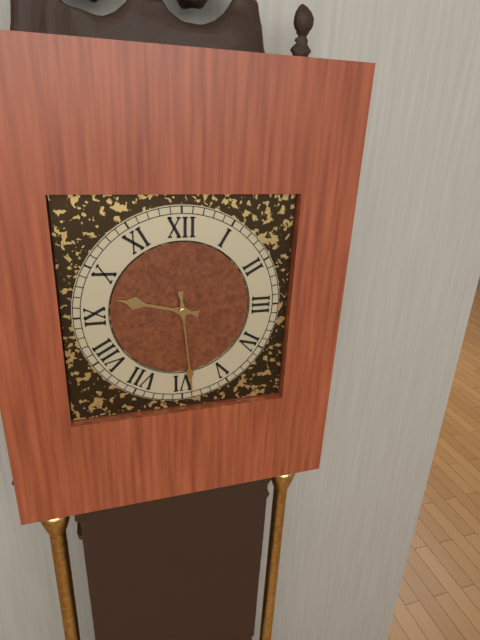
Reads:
h=9 m=29
